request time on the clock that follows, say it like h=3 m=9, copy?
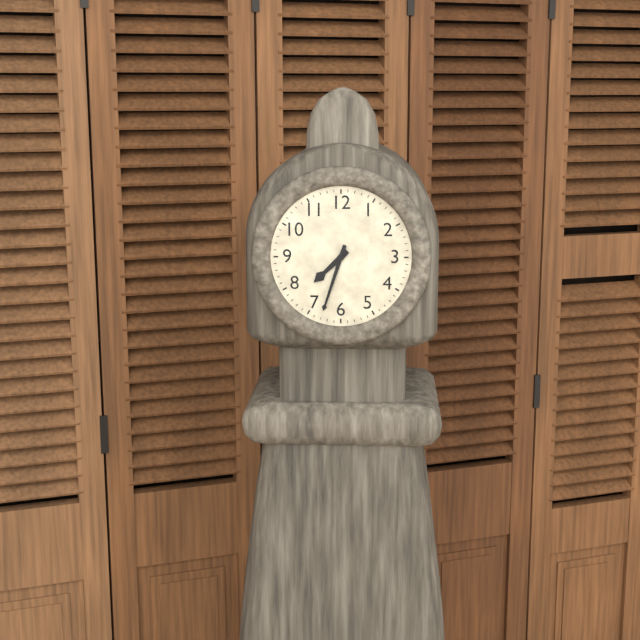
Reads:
h=7 m=33
